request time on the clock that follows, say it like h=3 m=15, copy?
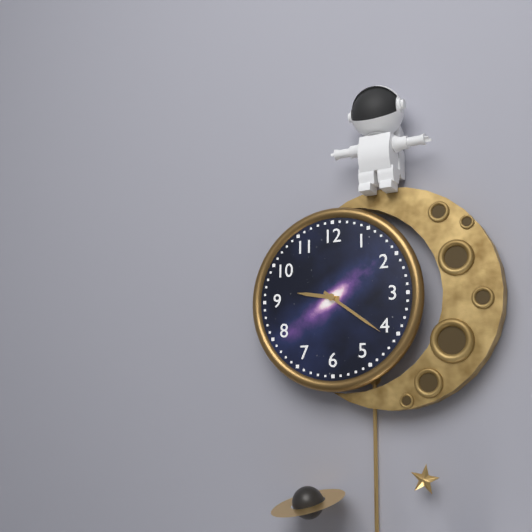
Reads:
h=9 m=21
